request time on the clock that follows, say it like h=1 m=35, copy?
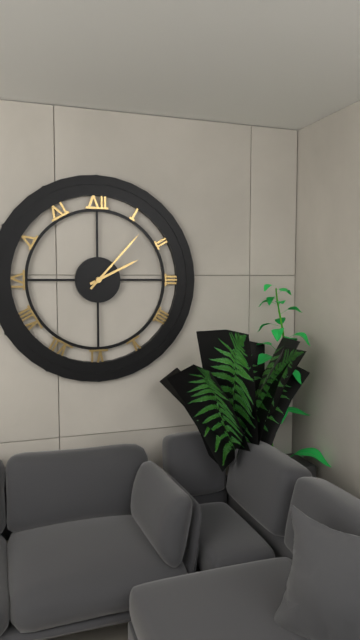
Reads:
h=2 m=7
